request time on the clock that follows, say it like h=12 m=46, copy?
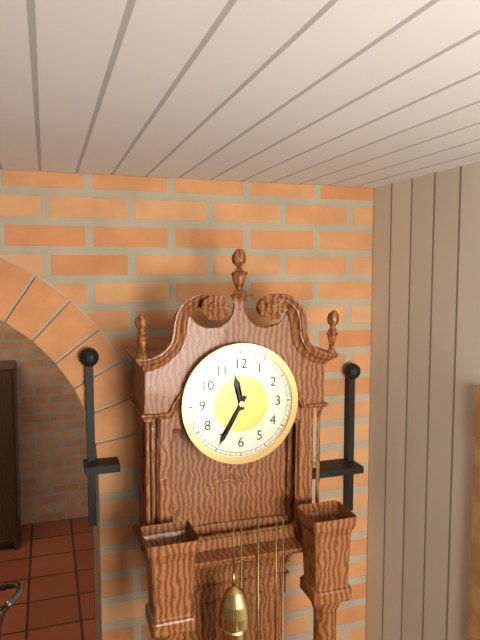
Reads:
h=11 m=35
